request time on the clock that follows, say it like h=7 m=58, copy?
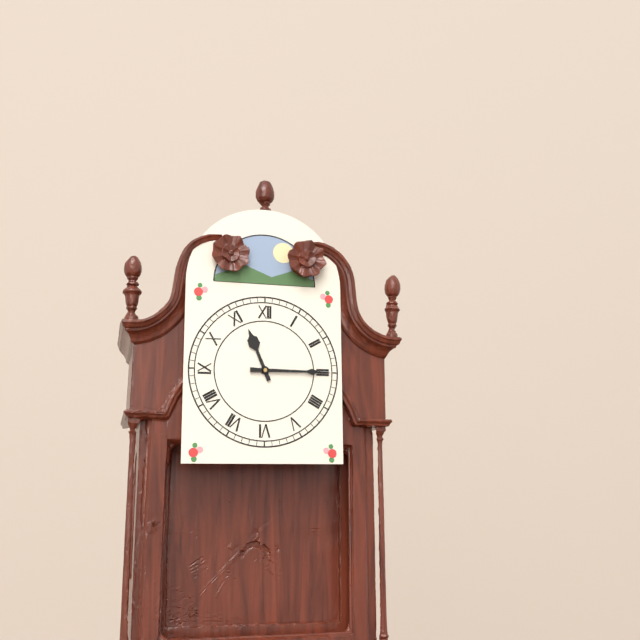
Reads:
h=11 m=15
